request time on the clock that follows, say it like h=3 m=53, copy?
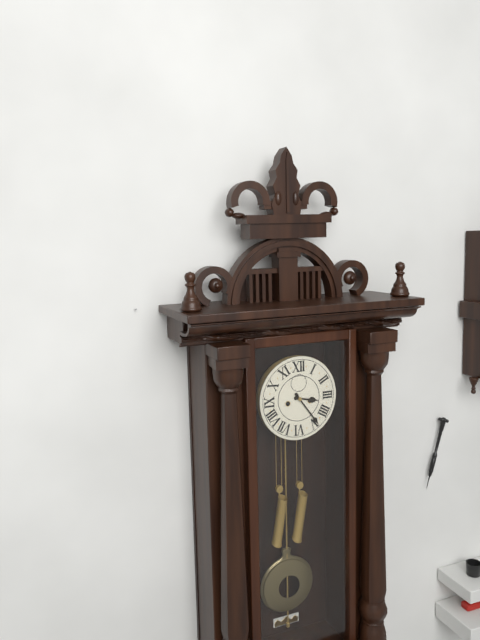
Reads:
h=3 m=24
